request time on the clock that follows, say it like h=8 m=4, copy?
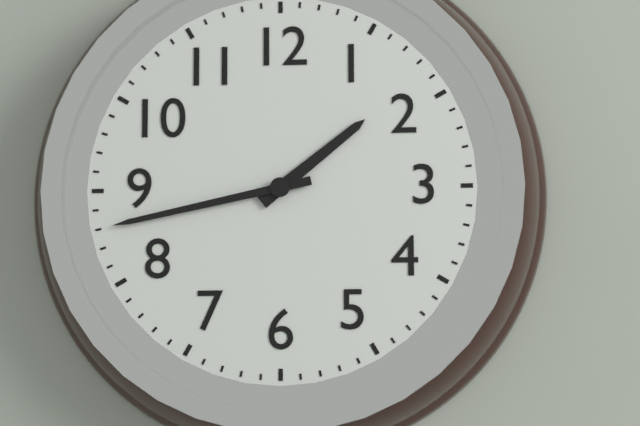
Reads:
h=1 m=43
